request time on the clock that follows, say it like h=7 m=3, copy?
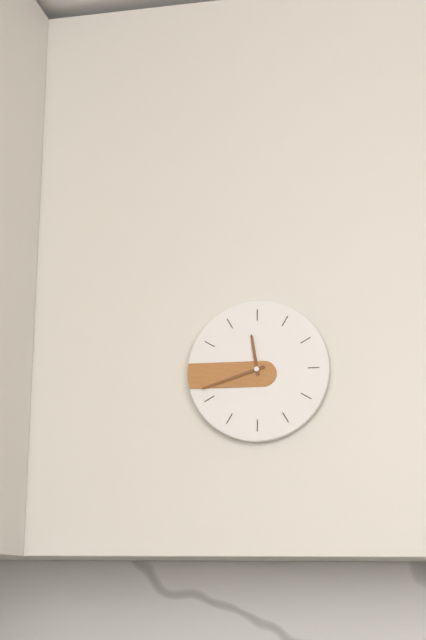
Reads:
h=11 m=42
